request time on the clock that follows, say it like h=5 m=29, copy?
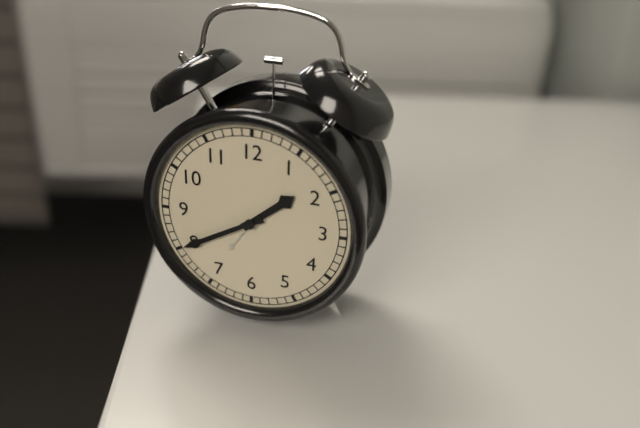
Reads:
h=1 m=40
